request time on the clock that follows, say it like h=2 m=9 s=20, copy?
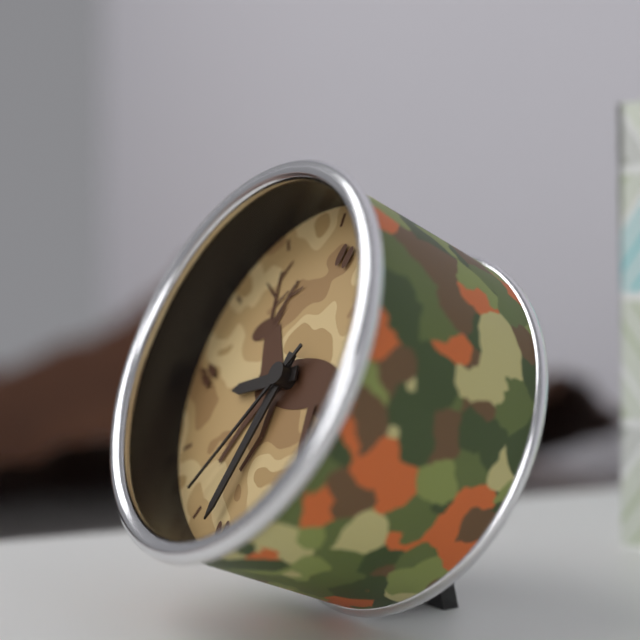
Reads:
h=8 m=33 s=36
